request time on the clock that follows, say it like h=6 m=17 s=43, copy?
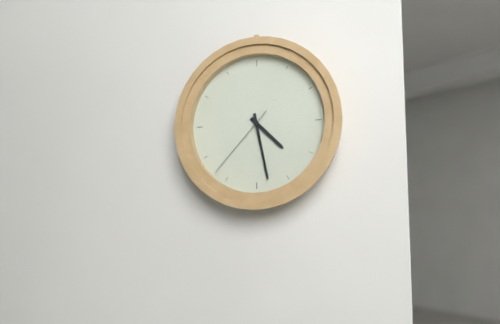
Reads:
h=4 m=28 s=37
